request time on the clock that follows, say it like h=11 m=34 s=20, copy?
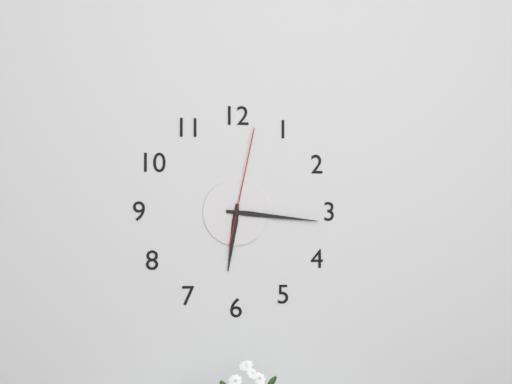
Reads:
h=6 m=16 s=2
